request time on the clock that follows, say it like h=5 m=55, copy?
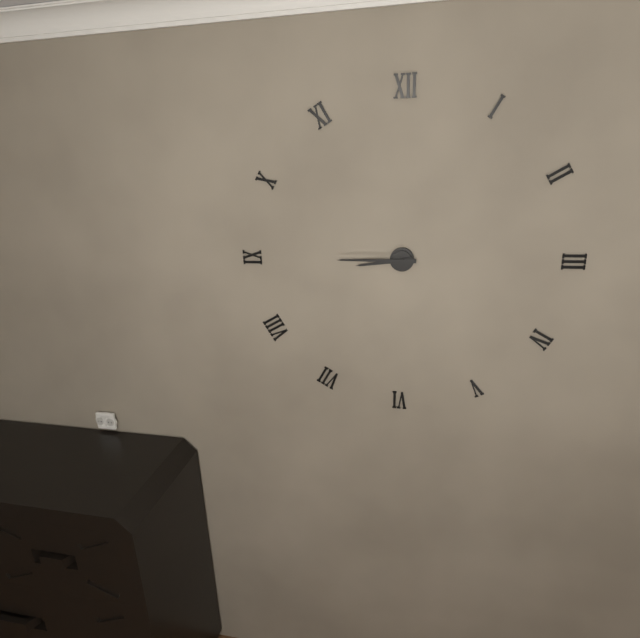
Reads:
h=8 m=45
